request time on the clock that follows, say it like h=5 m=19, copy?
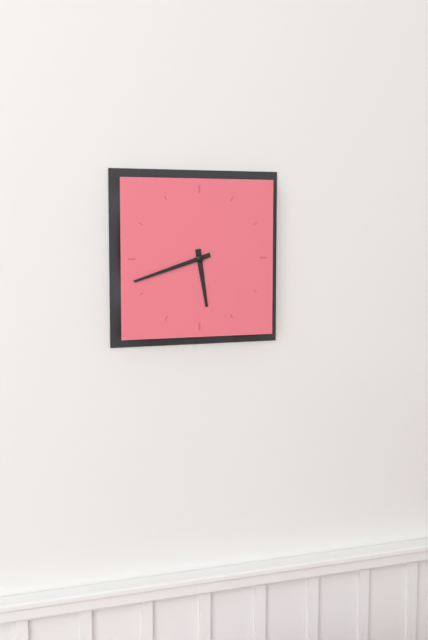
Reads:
h=5 m=42
